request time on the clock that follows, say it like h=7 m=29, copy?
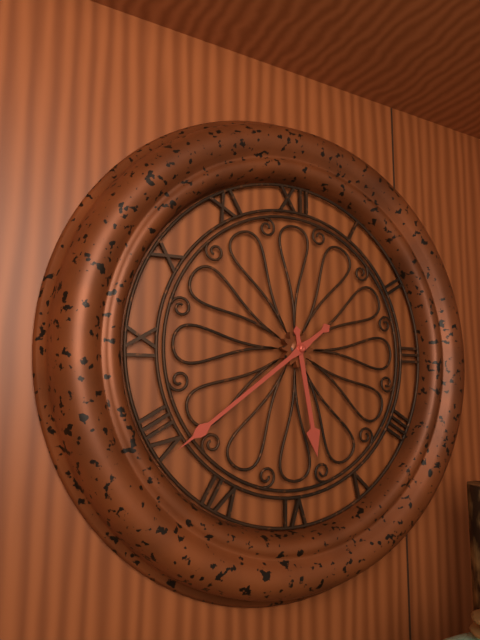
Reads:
h=5 m=39
